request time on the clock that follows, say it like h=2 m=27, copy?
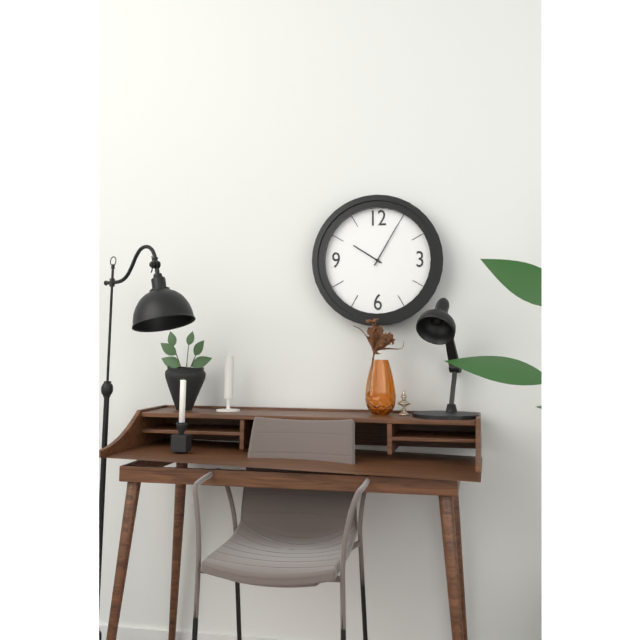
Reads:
h=10 m=5
